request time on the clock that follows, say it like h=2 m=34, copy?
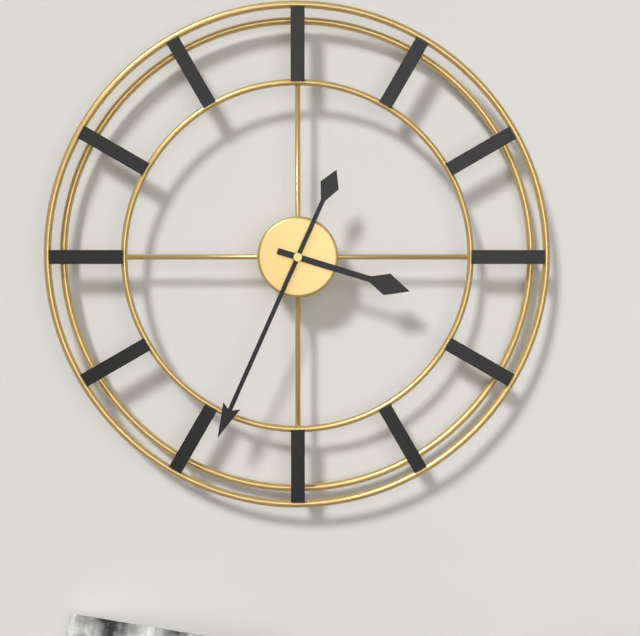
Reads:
h=3 m=34
